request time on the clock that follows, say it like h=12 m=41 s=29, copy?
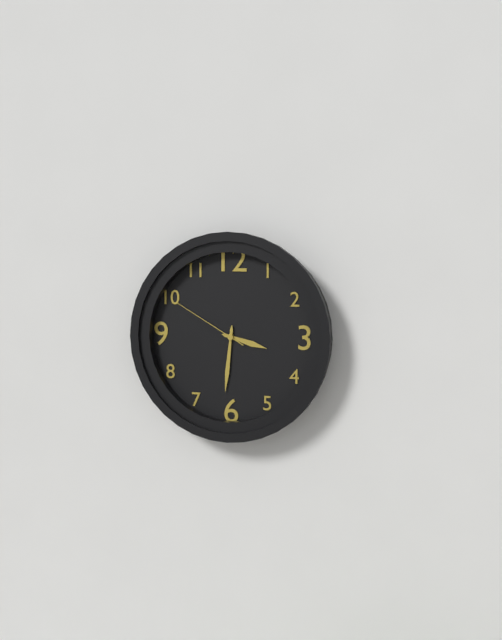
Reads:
h=3 m=31 s=50
